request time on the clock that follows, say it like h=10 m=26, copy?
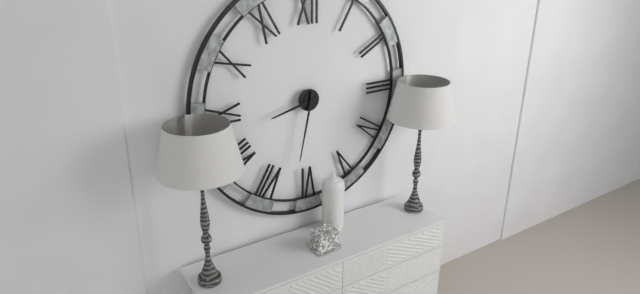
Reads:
h=8 m=32
